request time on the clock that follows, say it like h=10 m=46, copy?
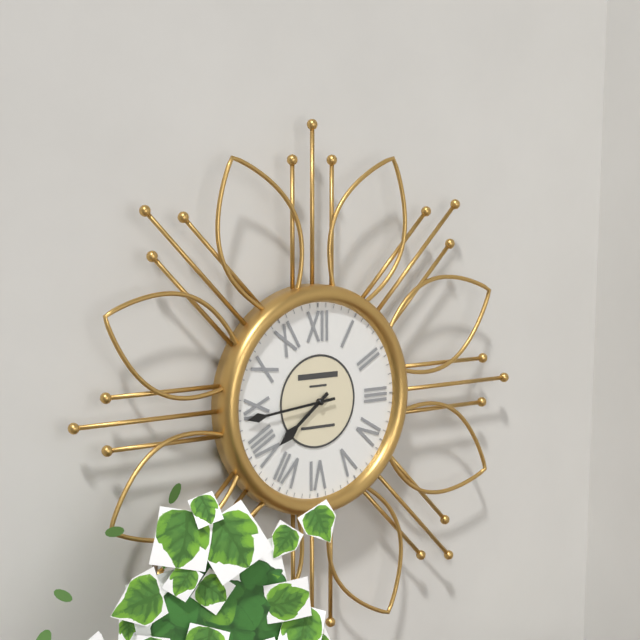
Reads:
h=7 m=44
